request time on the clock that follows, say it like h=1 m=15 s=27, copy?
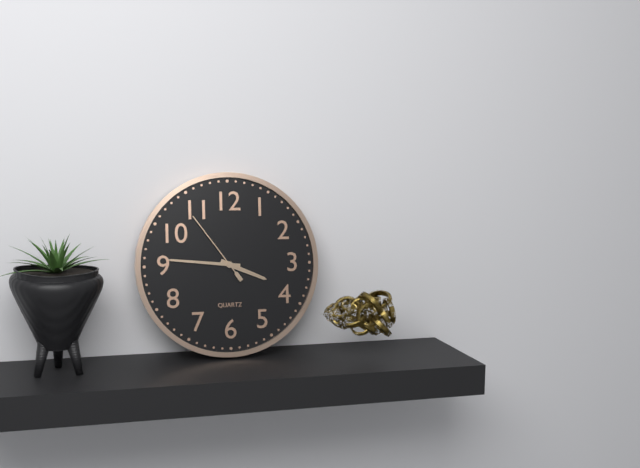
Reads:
h=3 m=46 s=54
